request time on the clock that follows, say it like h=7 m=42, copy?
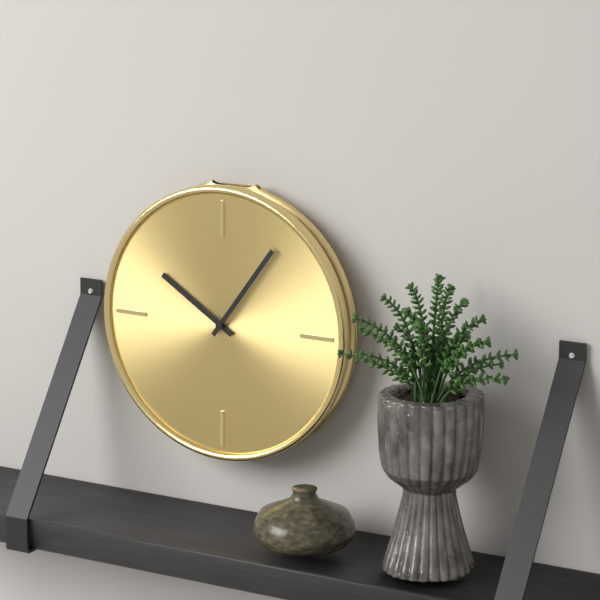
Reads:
h=10 m=6
